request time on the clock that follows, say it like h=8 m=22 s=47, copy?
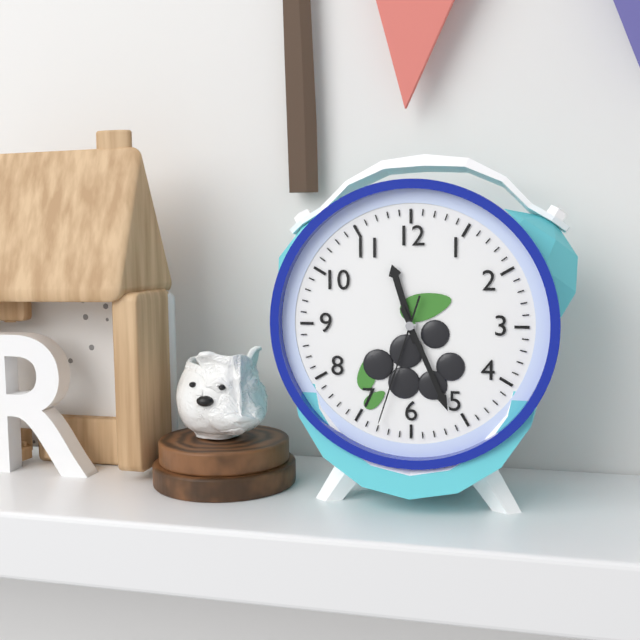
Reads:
h=11 m=26 s=33
